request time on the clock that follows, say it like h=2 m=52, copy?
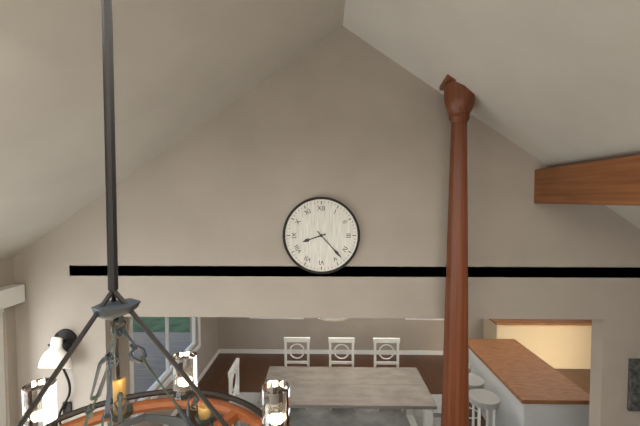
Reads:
h=8 m=23
